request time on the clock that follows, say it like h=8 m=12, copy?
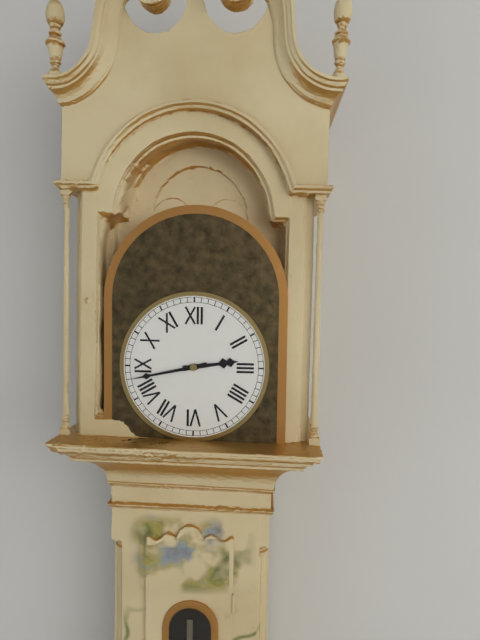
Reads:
h=2 m=43
